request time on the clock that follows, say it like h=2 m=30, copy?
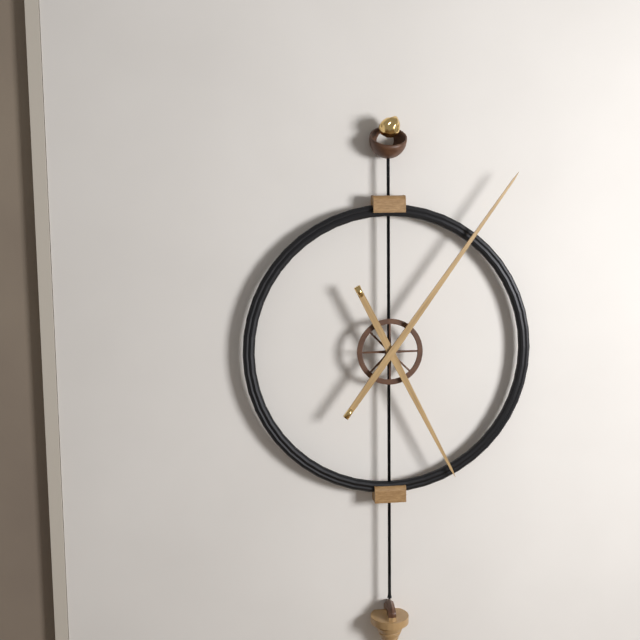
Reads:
h=5 m=6
